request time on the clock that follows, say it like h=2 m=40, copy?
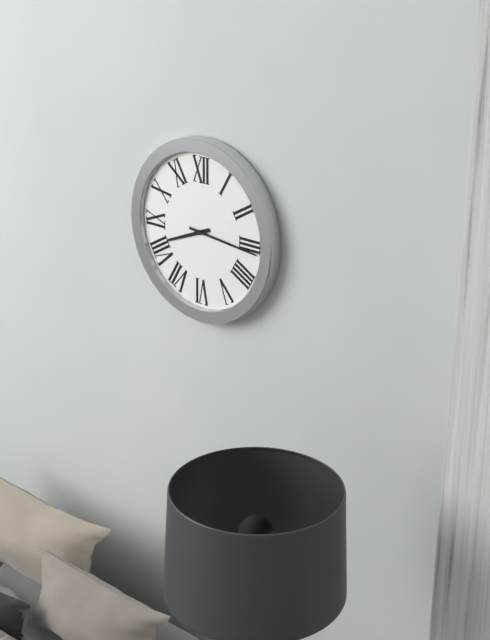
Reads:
h=8 m=16
